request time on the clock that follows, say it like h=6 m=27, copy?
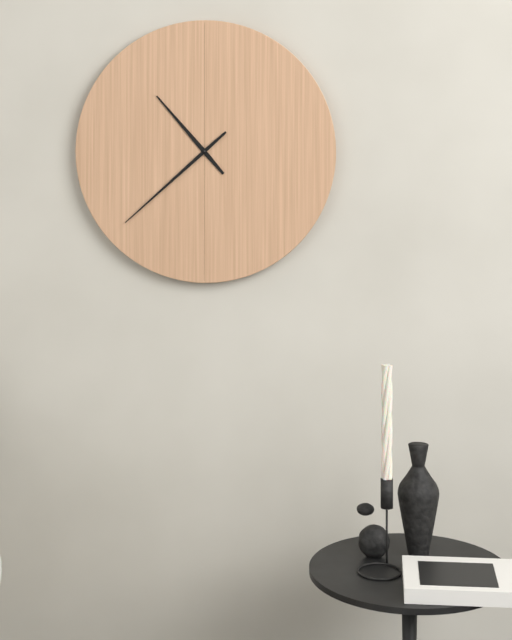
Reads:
h=10 m=38
